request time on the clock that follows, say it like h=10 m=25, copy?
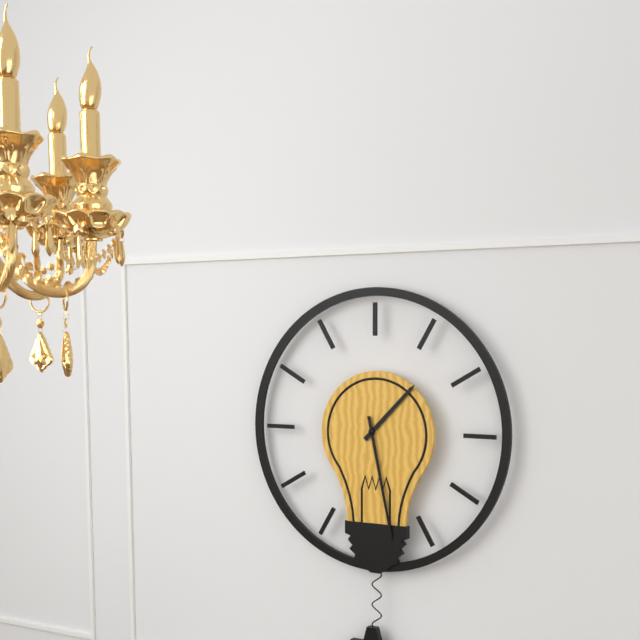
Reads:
h=1 m=28
